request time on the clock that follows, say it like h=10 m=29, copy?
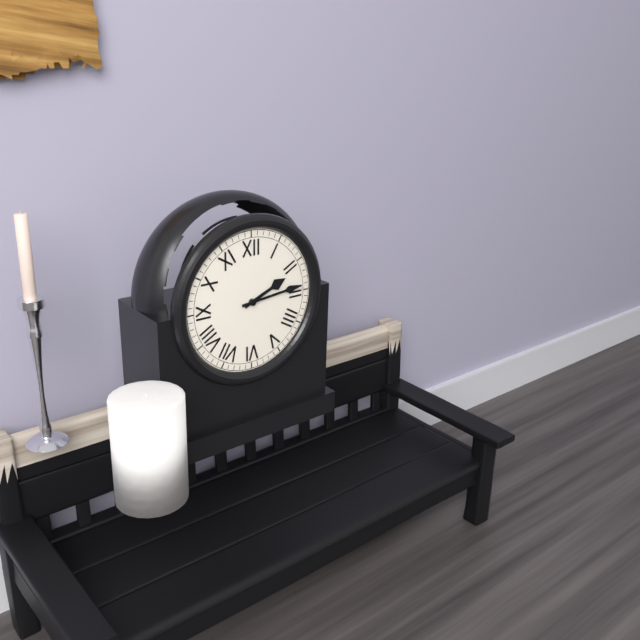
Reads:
h=2 m=14
